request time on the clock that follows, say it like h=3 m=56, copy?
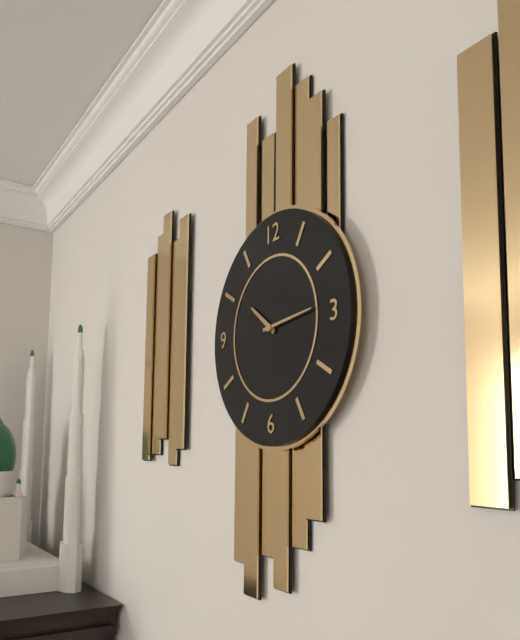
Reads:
h=10 m=14
